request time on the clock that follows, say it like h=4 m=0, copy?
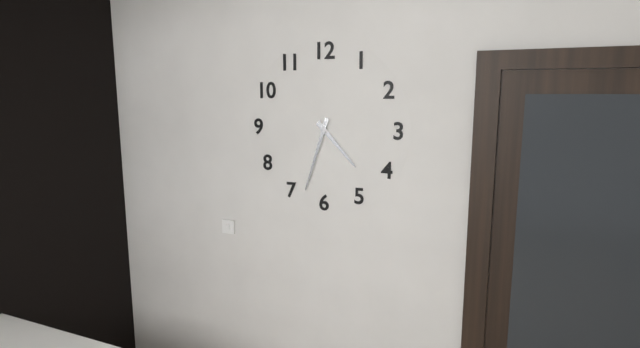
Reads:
h=4 m=33
